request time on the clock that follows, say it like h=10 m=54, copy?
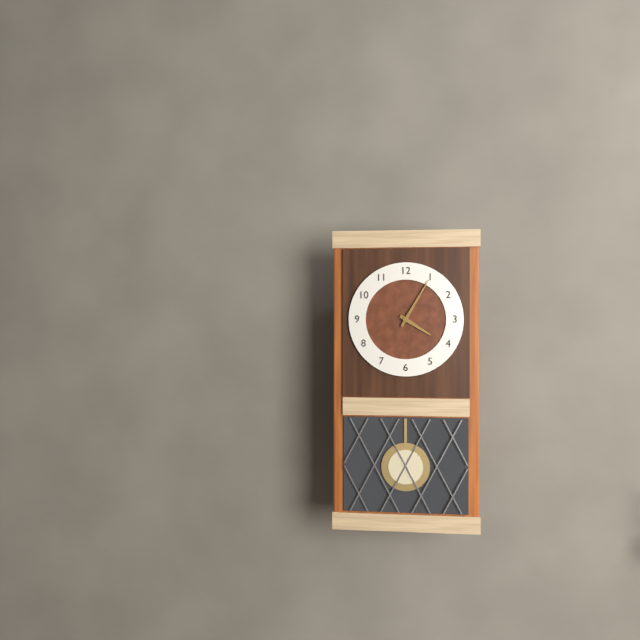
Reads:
h=4 m=5
